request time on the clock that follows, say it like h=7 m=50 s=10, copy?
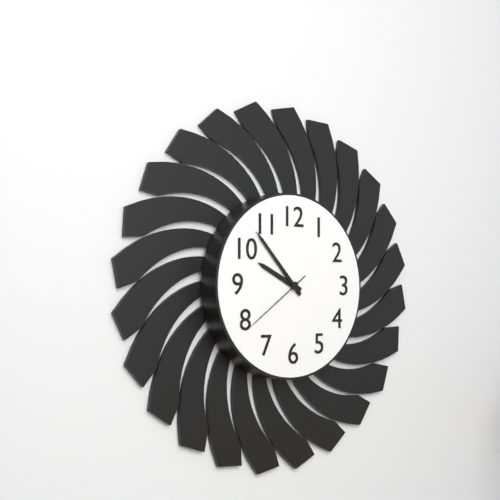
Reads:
h=9 m=53 s=39
